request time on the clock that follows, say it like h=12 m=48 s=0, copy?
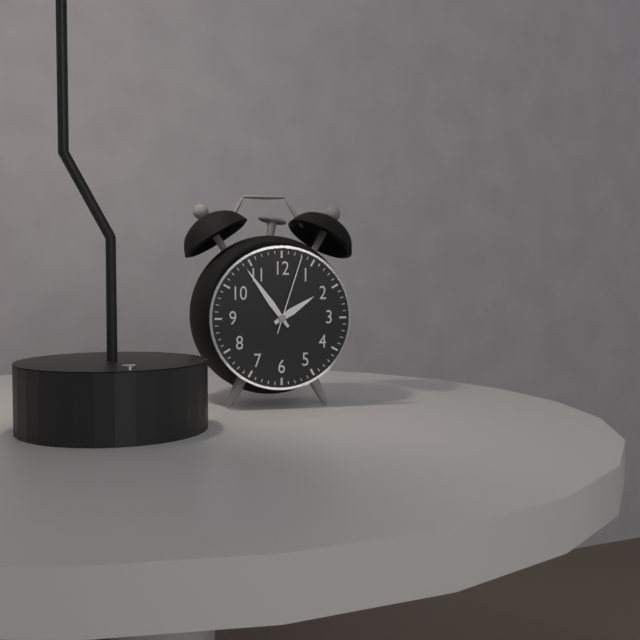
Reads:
h=1 m=54 s=3
